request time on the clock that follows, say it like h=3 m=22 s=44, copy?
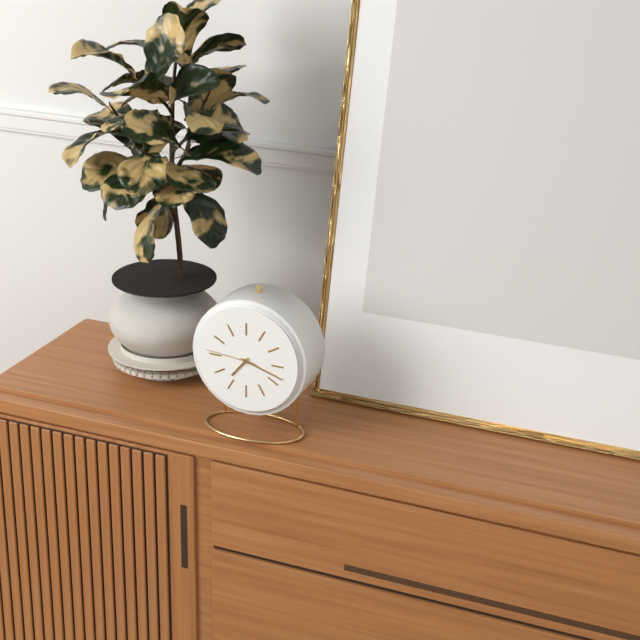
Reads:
h=7 m=18 s=46
